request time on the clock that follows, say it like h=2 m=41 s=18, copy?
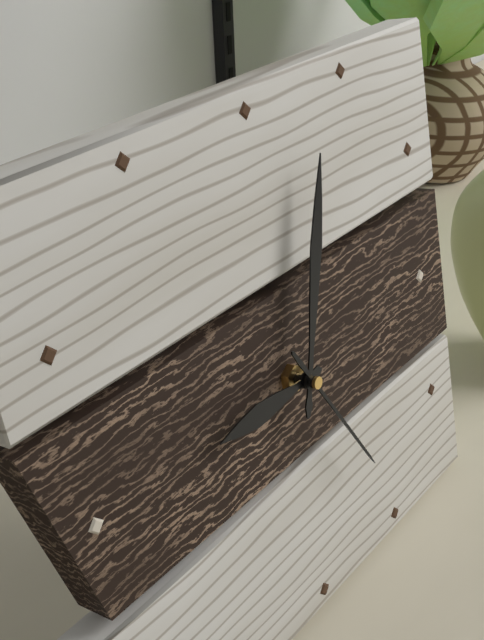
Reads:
h=9 m=3 s=25
